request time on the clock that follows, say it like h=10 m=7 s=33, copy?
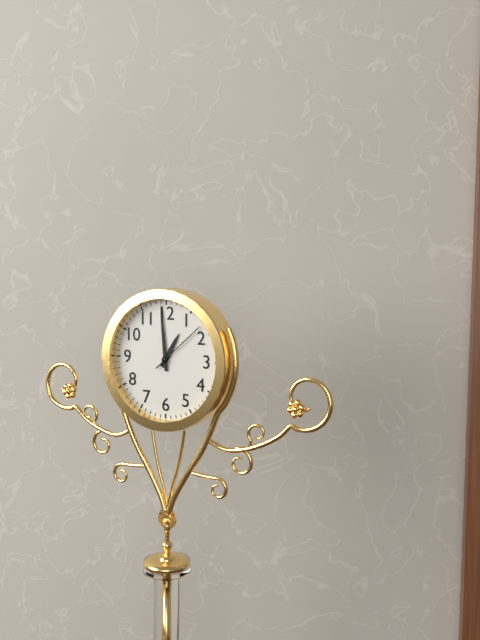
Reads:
h=12 m=59 s=8
